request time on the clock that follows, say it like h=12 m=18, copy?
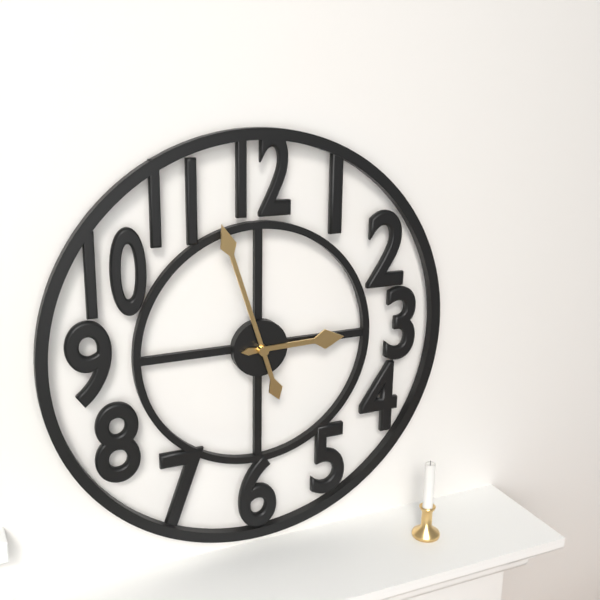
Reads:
h=2 m=57
